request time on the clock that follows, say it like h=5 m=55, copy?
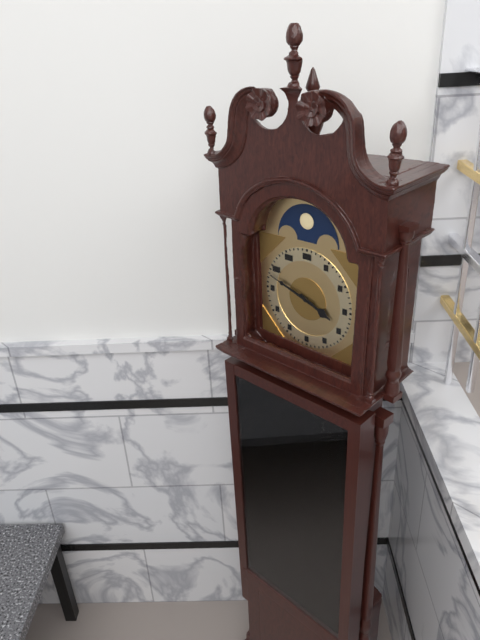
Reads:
h=3 m=48
